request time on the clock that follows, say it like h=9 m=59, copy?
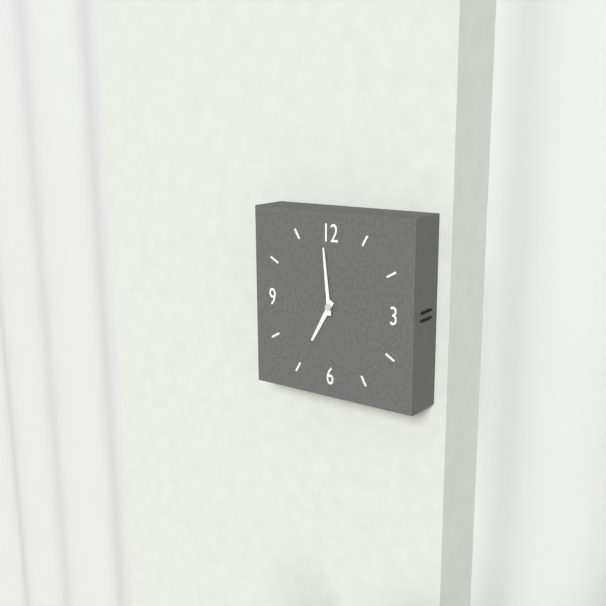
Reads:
h=6 m=59
